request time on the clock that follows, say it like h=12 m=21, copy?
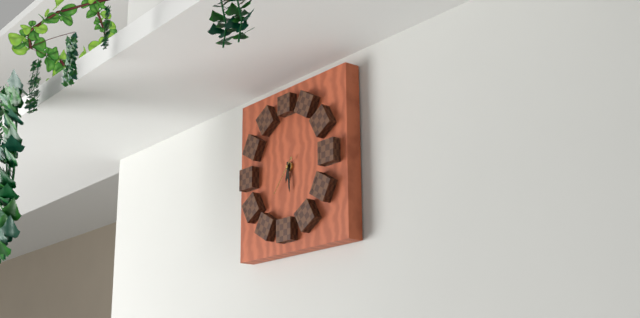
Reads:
h=6 m=29
